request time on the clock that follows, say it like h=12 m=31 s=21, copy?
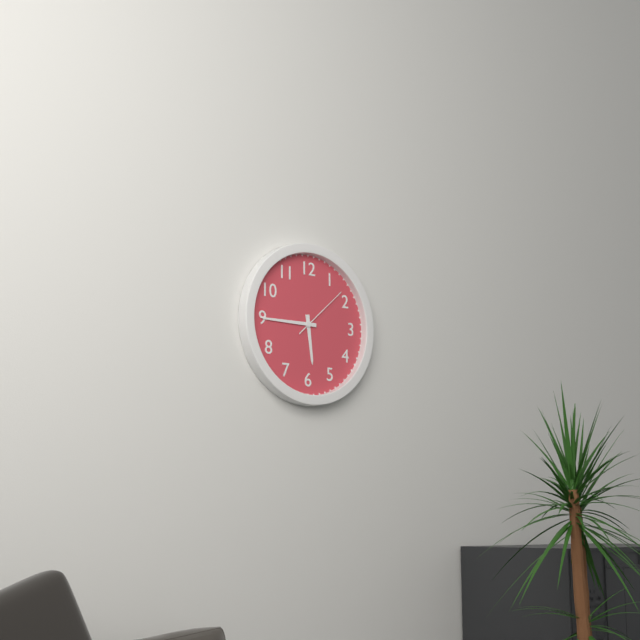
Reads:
h=5 m=45 s=8
